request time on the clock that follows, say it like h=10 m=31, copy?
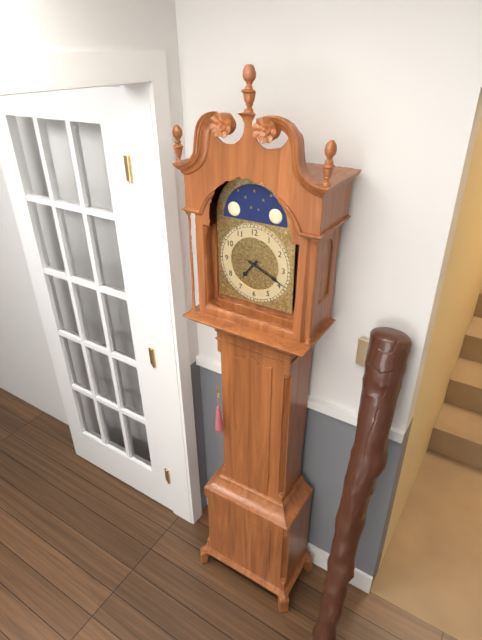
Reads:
h=7 m=19
